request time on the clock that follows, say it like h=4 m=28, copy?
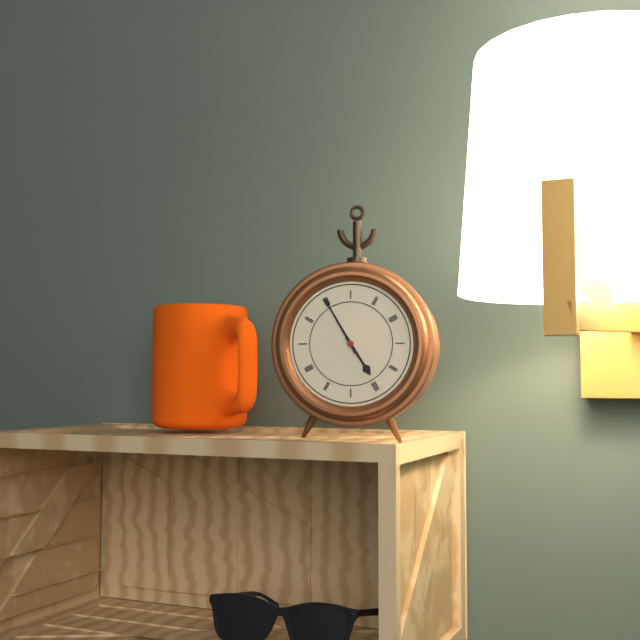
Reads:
h=4 m=55
